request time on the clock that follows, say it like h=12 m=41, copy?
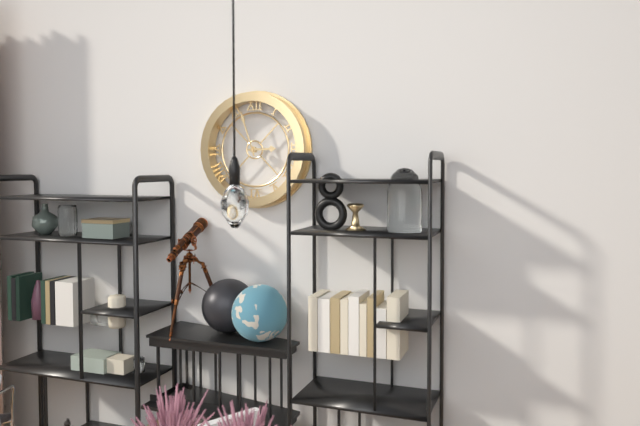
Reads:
h=2 m=57
